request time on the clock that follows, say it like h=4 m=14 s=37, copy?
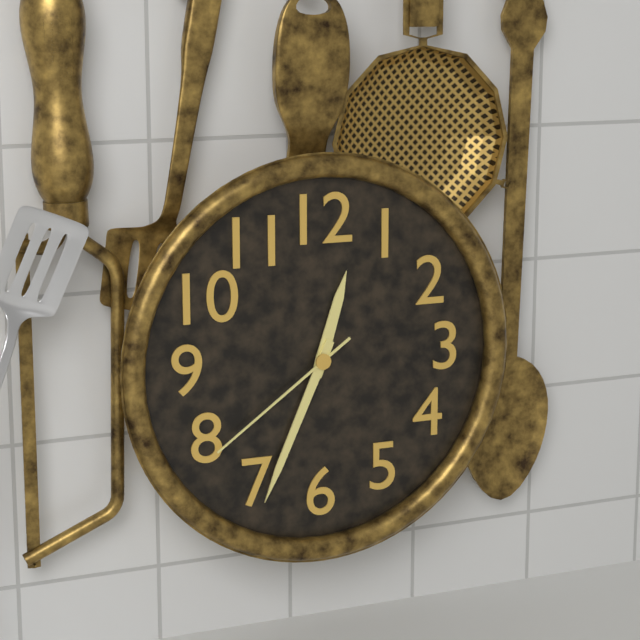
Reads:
h=12 m=34 s=39
